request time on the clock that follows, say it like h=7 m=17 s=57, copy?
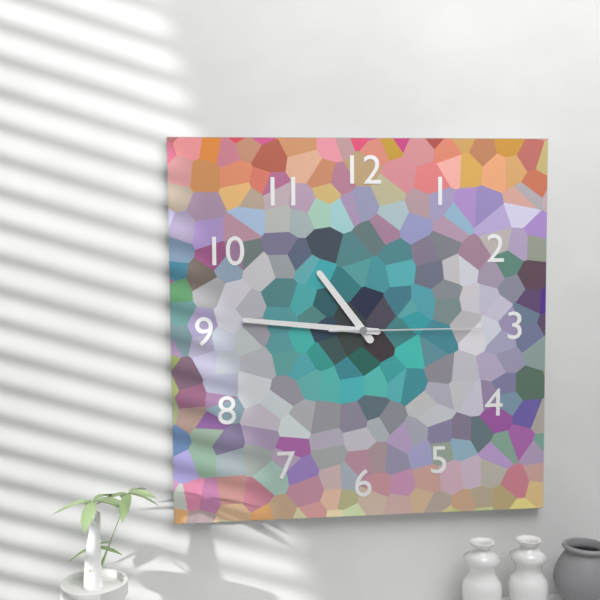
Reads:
h=10 m=46 s=15
